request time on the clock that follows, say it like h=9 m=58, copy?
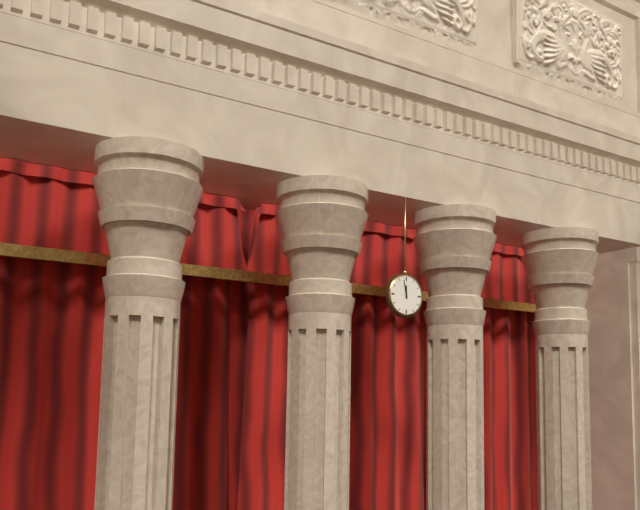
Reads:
h=11 m=58
